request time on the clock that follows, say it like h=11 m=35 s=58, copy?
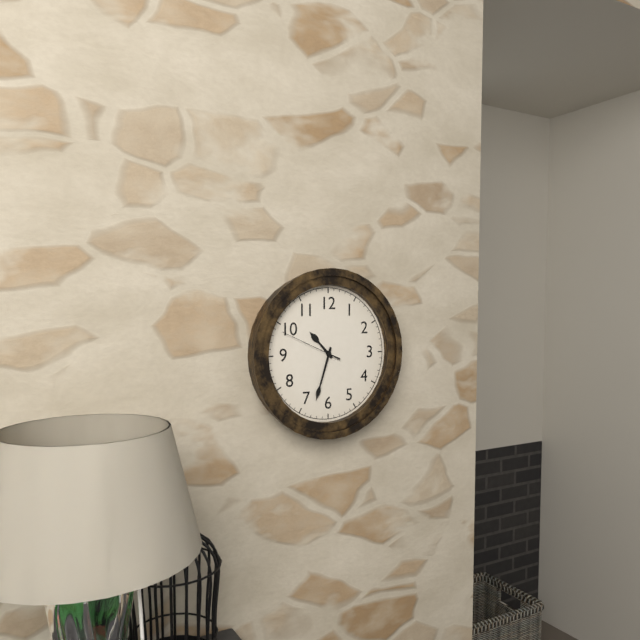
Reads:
h=10 m=33 s=49
